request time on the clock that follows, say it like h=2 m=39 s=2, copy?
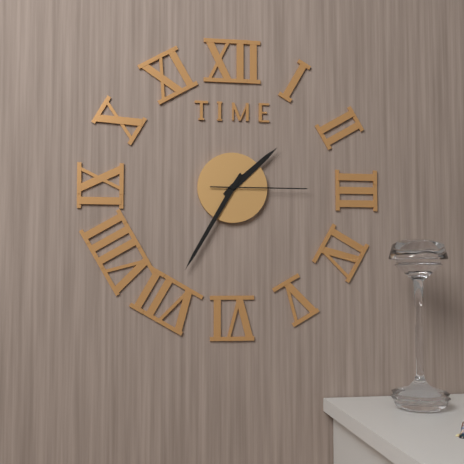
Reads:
h=1 m=35 s=15
